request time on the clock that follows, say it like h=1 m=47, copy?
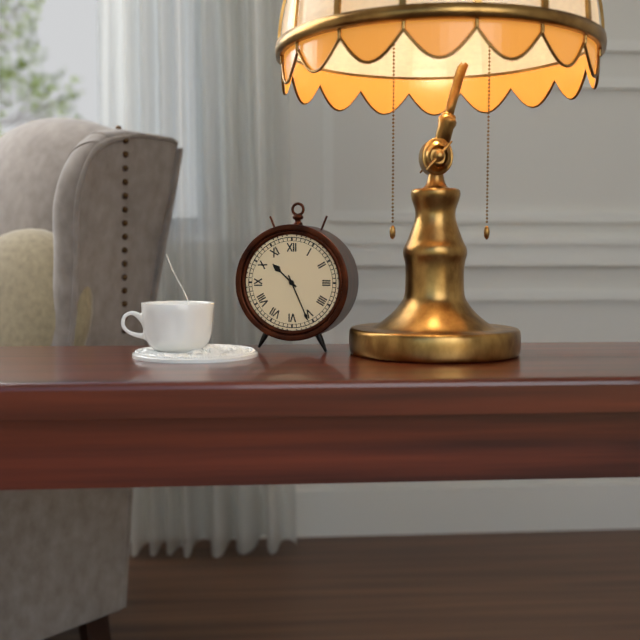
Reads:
h=10 m=26
